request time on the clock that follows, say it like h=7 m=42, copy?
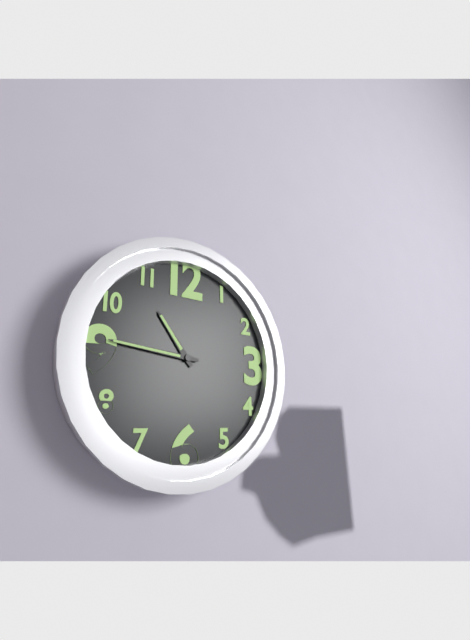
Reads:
h=10 m=46
